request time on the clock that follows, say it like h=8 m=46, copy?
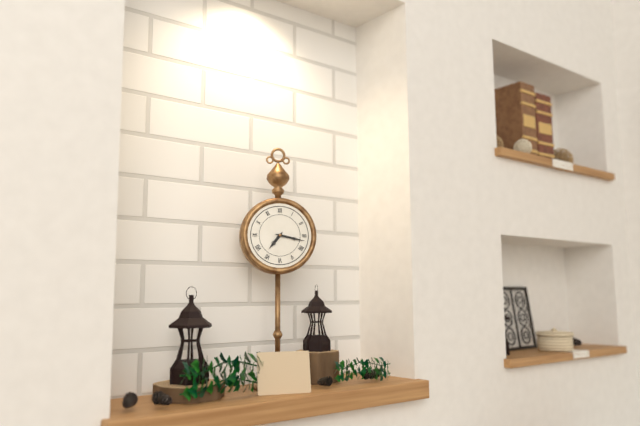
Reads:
h=7 m=17
